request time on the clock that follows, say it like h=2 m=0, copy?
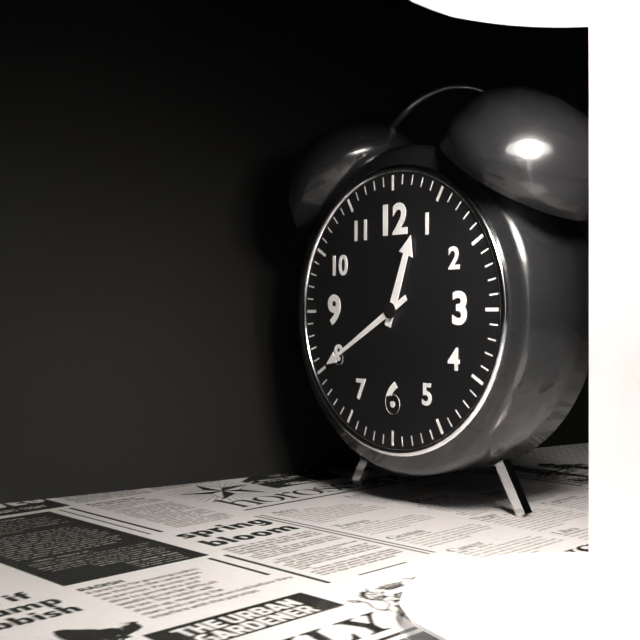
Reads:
h=12 m=40
